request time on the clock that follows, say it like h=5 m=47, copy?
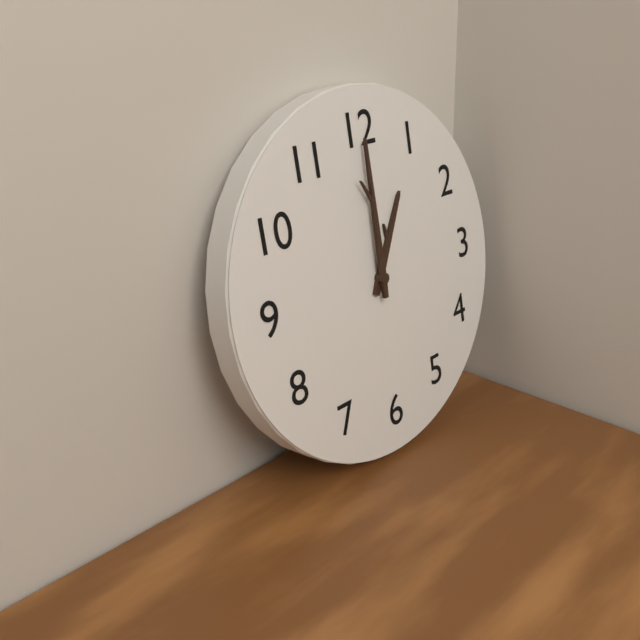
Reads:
h=1 m=0
